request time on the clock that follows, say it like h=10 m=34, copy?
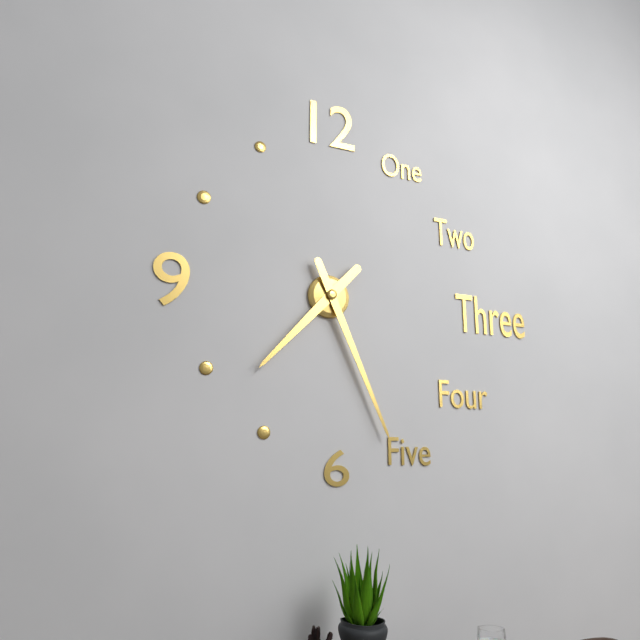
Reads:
h=7 m=26
